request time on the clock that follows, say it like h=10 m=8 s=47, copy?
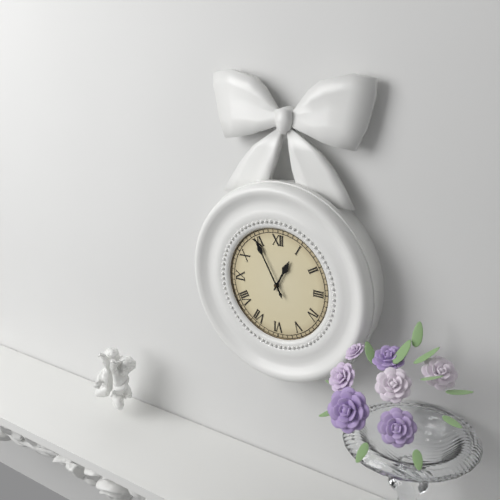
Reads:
h=12 m=55 s=55
